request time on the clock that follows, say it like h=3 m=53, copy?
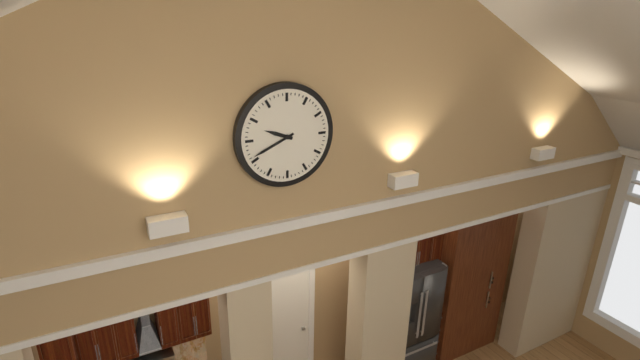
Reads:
h=9 m=41
